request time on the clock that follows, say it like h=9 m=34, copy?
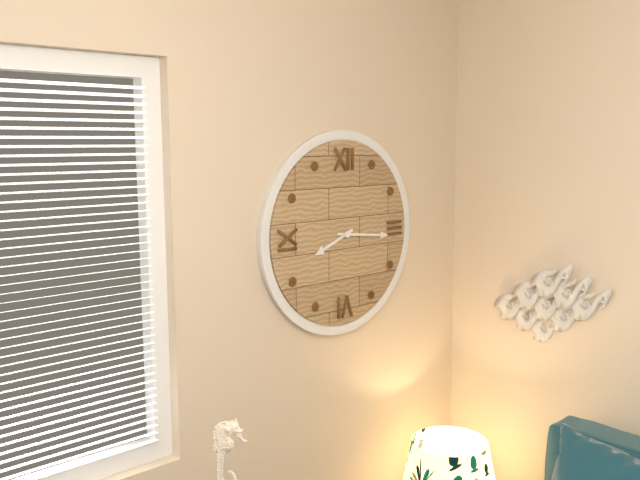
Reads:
h=8 m=16
